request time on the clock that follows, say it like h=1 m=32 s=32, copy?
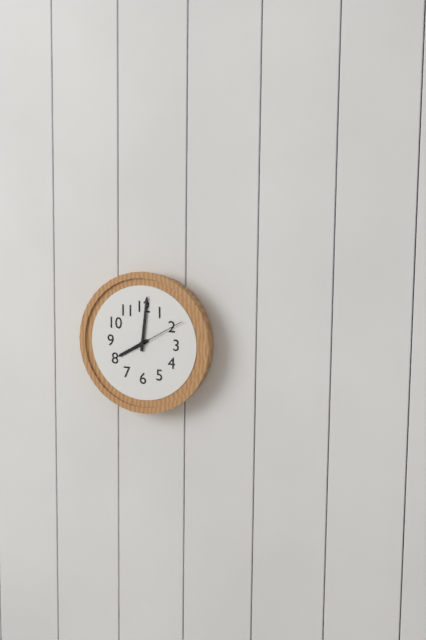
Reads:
h=8 m=1 s=10
